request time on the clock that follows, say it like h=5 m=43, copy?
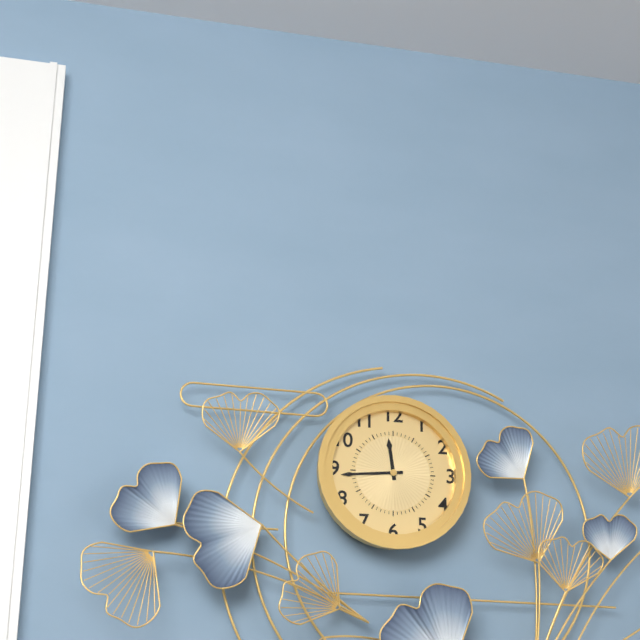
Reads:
h=11 m=44
